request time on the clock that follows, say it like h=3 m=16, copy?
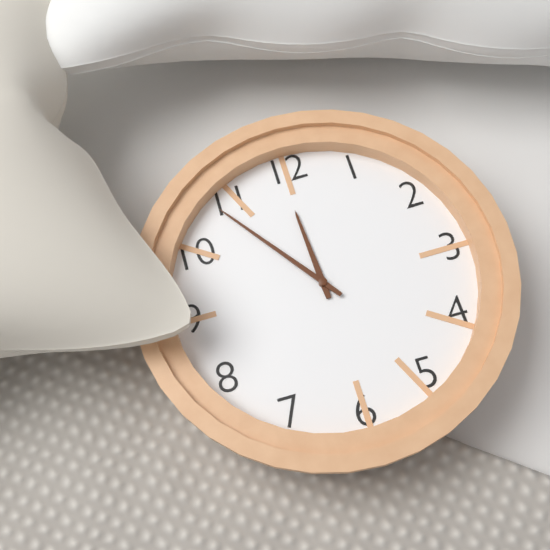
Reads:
h=11 m=54
